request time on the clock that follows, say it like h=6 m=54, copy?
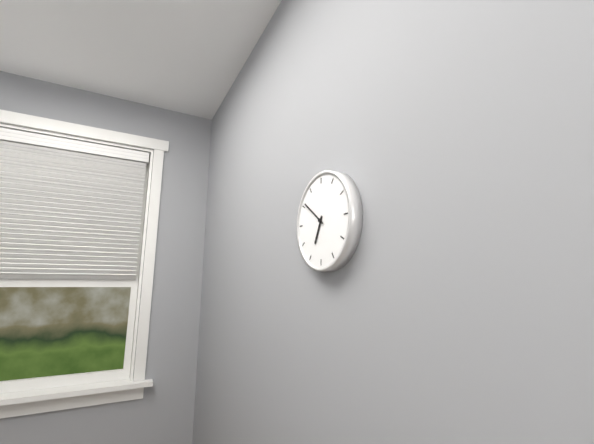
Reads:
h=6 m=51
